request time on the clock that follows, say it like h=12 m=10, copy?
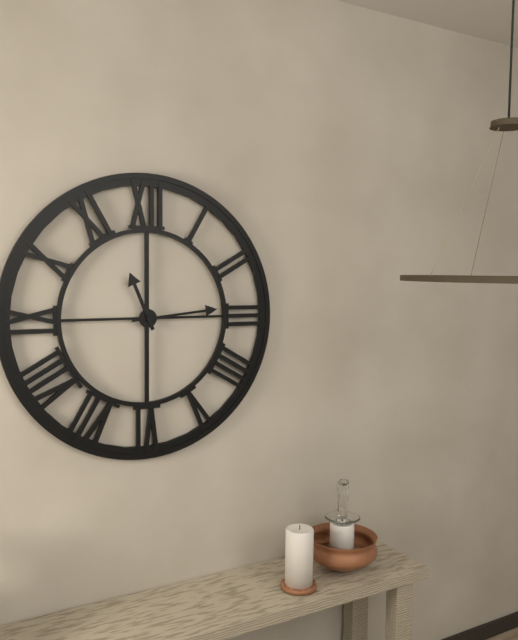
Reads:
h=11 m=14
